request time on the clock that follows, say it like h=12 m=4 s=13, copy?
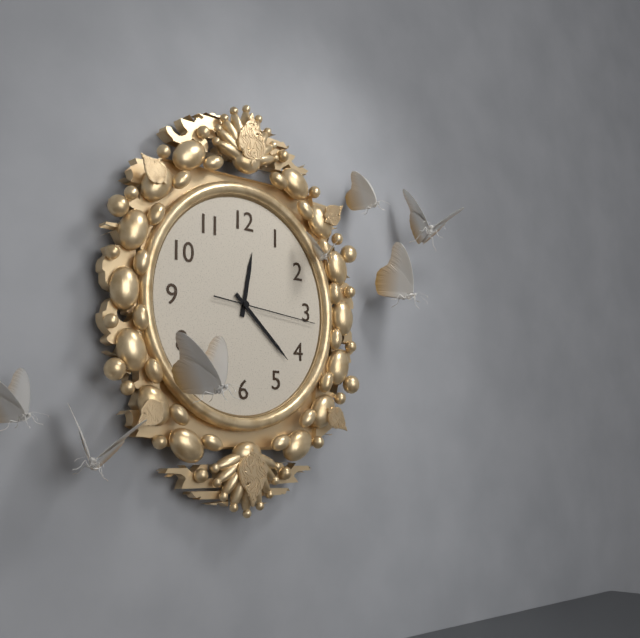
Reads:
h=12 m=22 s=16
